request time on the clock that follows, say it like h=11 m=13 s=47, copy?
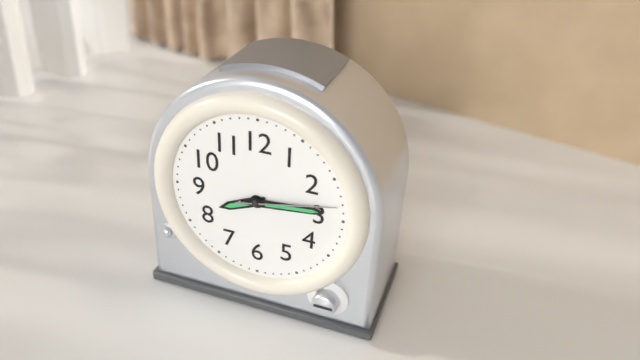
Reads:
h=8 m=14 s=13
